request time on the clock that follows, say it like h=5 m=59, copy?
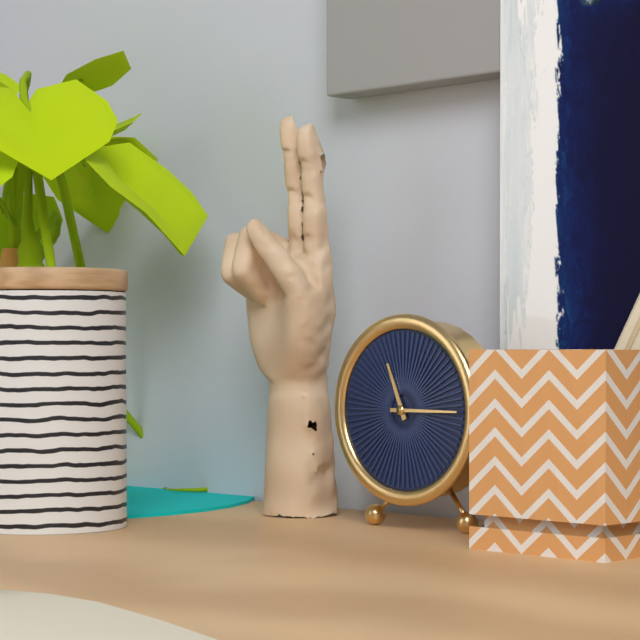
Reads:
h=11 m=15
